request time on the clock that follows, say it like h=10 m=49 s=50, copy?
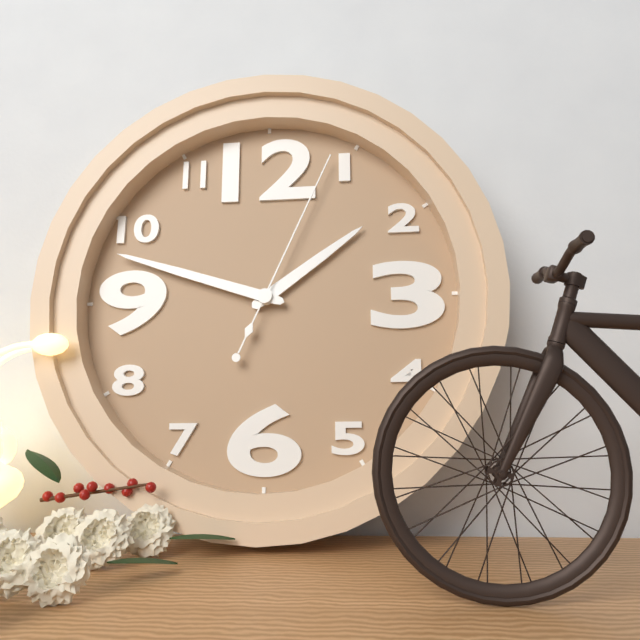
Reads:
h=1 m=48 s=4
